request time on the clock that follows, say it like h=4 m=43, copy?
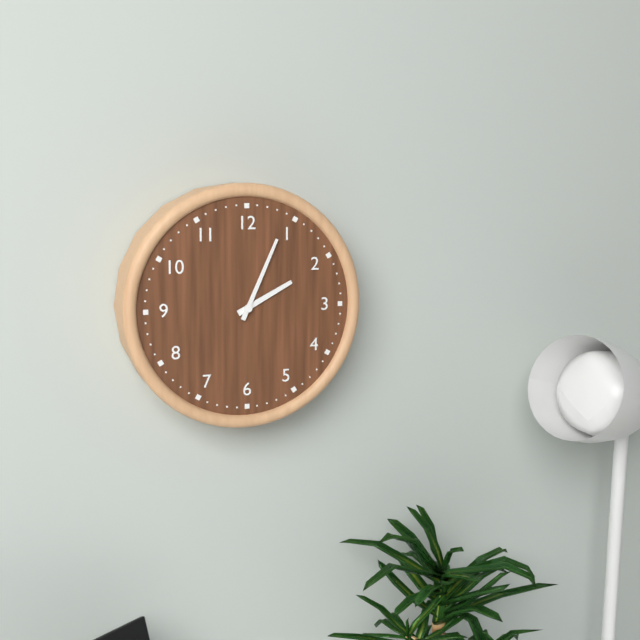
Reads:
h=2 m=4
